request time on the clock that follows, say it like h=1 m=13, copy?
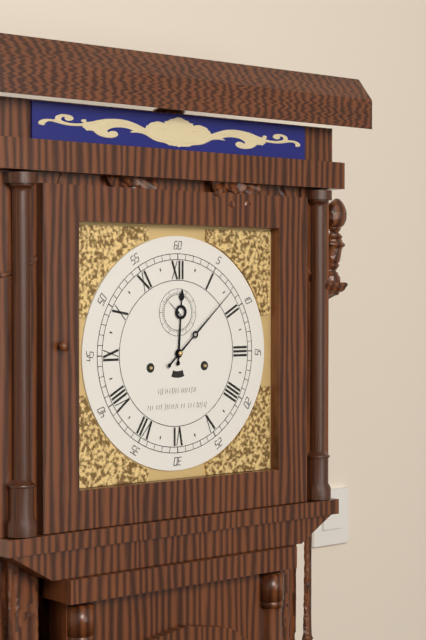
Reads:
h=12 m=8
